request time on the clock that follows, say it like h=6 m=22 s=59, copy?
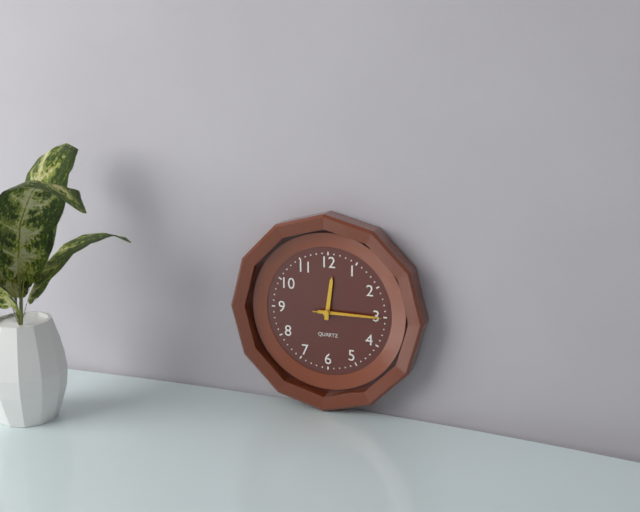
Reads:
h=12 m=15 s=15
